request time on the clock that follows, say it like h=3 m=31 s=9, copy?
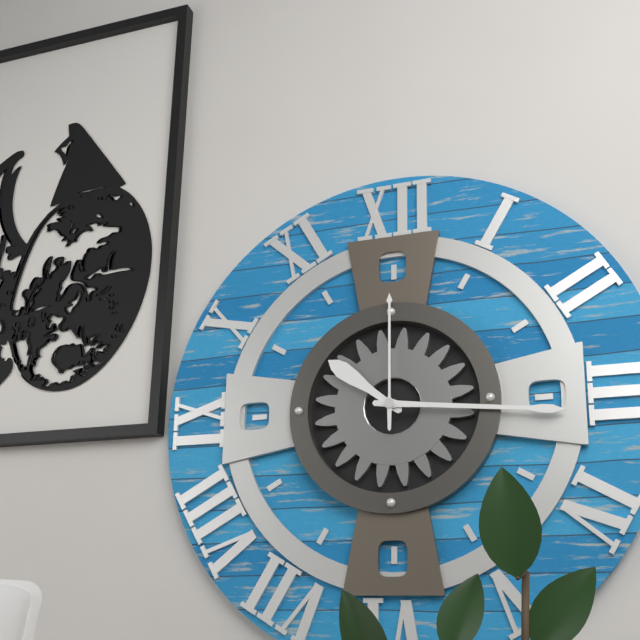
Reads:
h=10 m=16 s=0
